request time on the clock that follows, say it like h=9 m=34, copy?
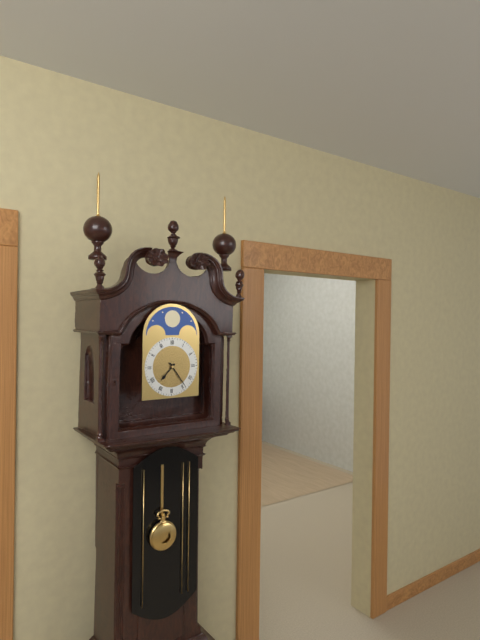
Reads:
h=7 m=24
